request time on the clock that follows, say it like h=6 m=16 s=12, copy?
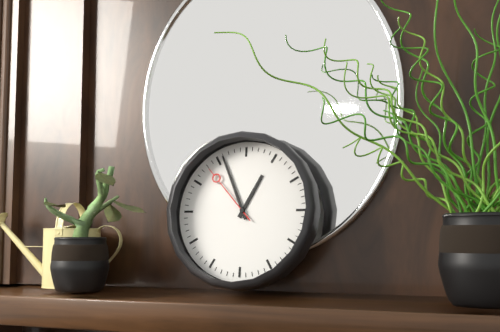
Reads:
h=12 m=56 s=53
